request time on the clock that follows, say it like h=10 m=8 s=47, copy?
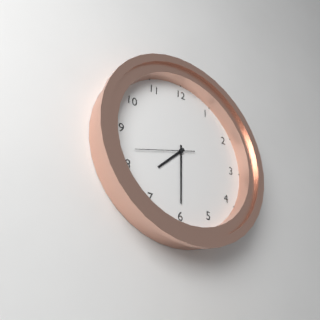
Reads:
h=7 m=30 s=42
